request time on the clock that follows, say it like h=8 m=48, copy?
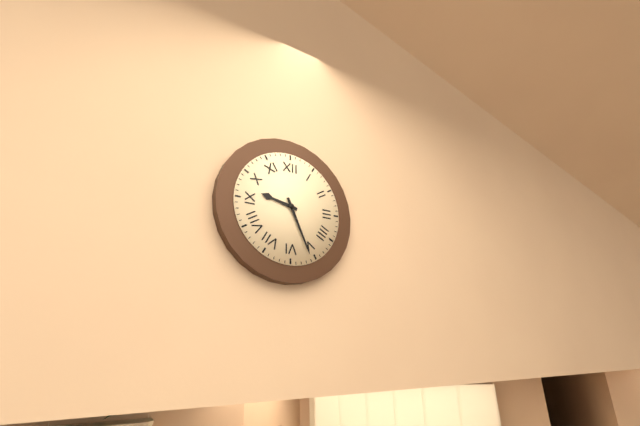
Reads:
h=9 m=26
